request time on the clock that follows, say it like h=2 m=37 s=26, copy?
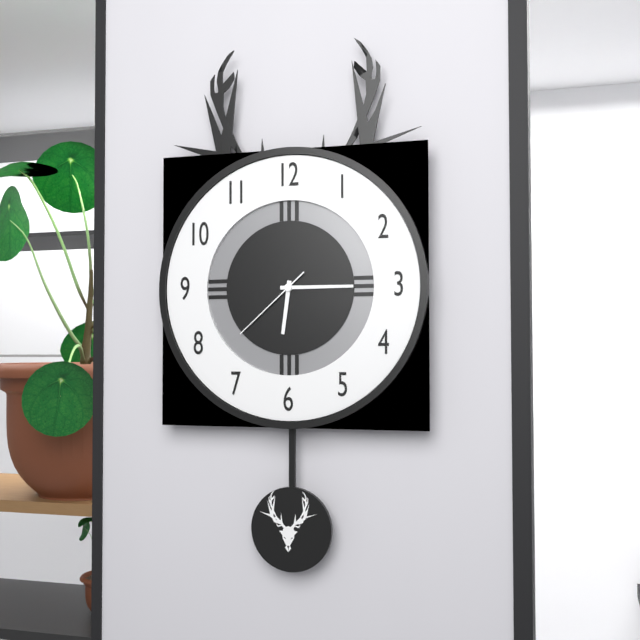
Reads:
h=6 m=15 s=38
